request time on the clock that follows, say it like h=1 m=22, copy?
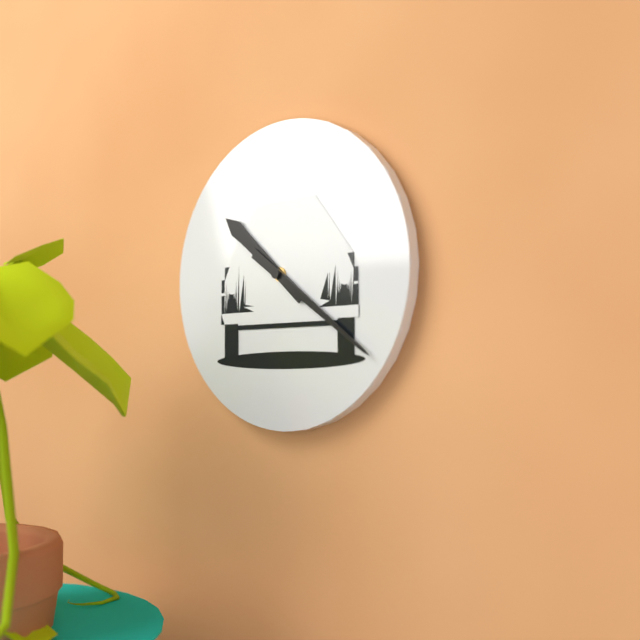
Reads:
h=10 m=21
